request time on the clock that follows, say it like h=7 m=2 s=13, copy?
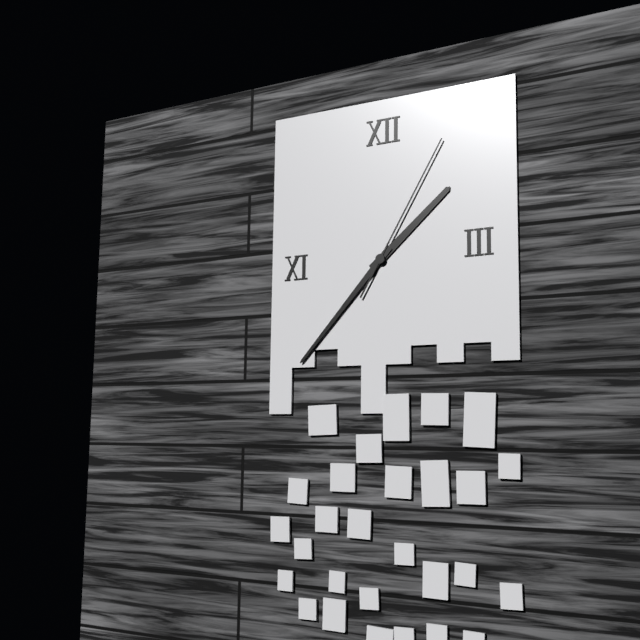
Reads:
h=1 m=37 s=5
